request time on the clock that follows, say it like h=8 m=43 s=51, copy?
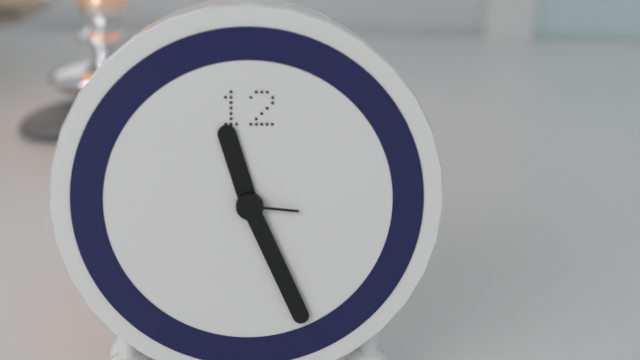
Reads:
h=11 m=26 s=16
